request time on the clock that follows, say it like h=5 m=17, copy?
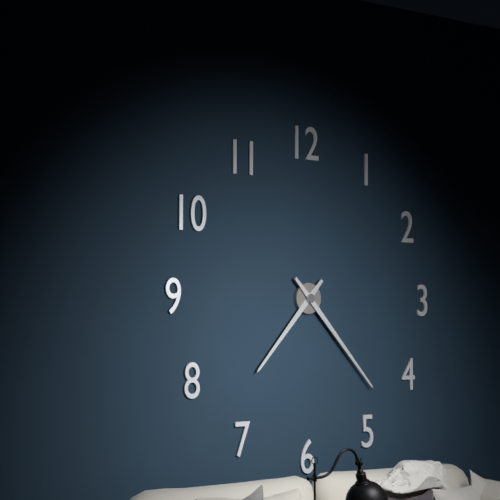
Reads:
h=7 m=23
